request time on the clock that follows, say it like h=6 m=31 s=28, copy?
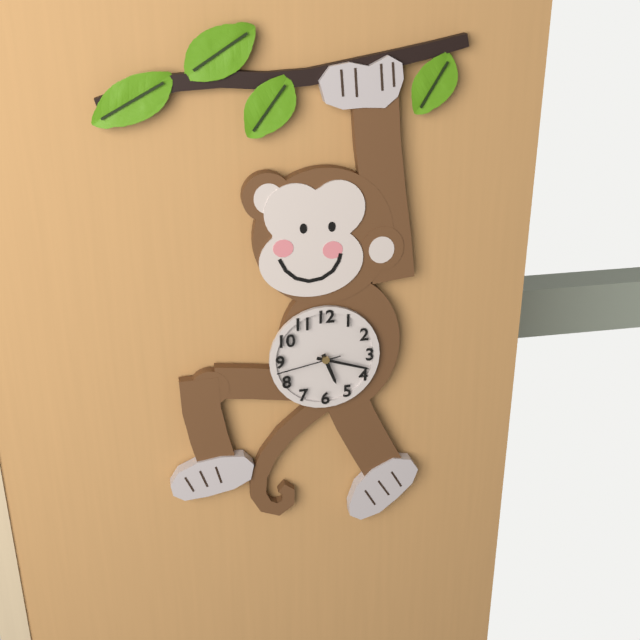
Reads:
h=5 m=18 s=43
